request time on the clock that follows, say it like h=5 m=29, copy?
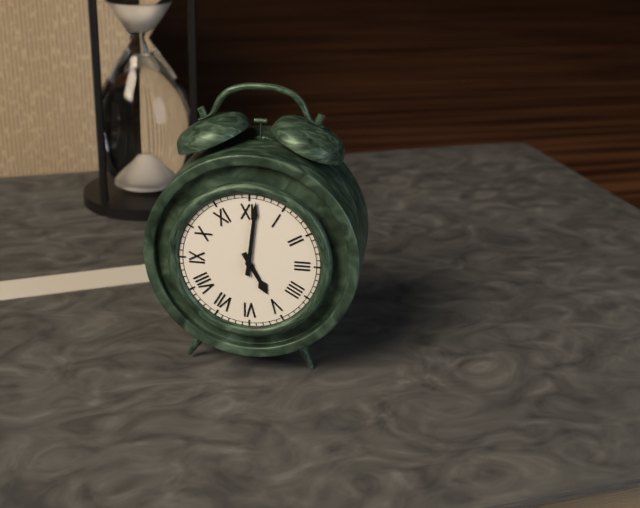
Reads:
h=5 m=1
